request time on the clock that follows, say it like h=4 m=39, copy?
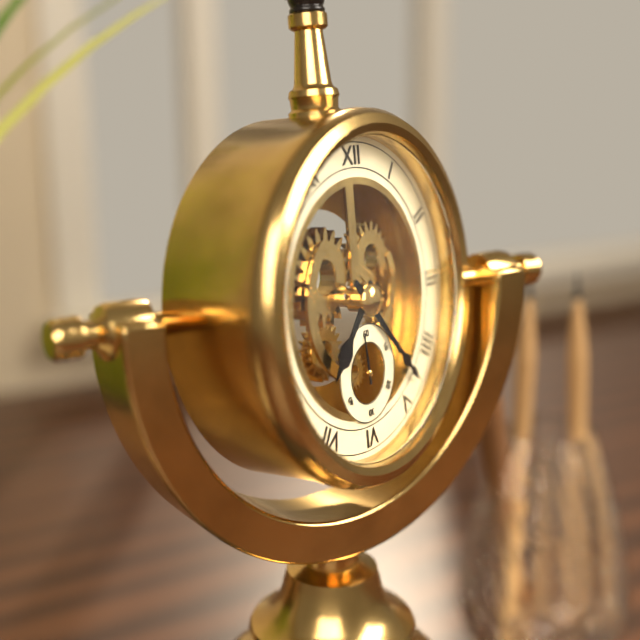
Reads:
h=7 m=23
